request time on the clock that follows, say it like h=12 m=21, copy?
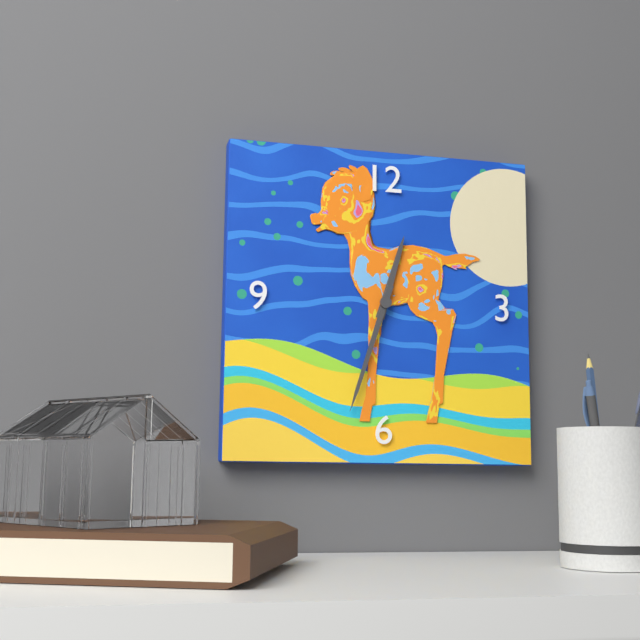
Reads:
h=12 m=33
